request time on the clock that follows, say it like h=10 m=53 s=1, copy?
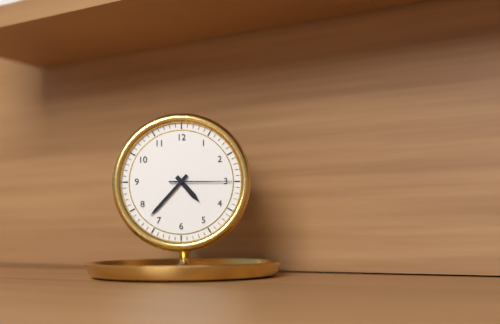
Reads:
h=4 m=37 s=15
